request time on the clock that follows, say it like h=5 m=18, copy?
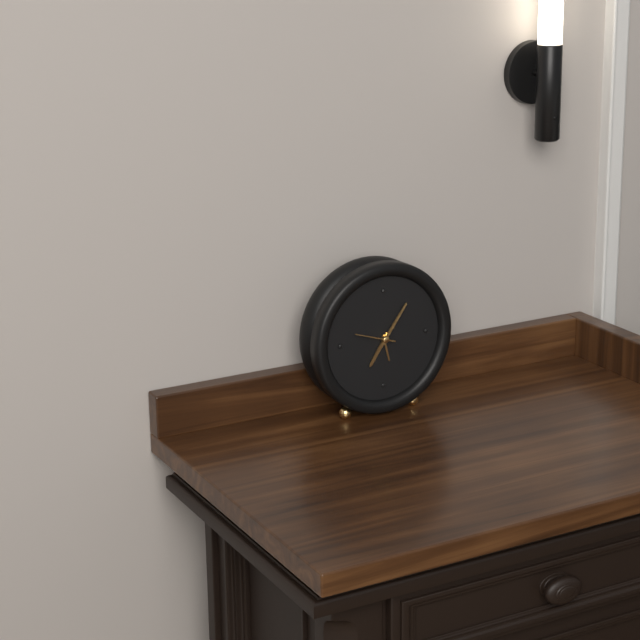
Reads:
h=7 m=6
